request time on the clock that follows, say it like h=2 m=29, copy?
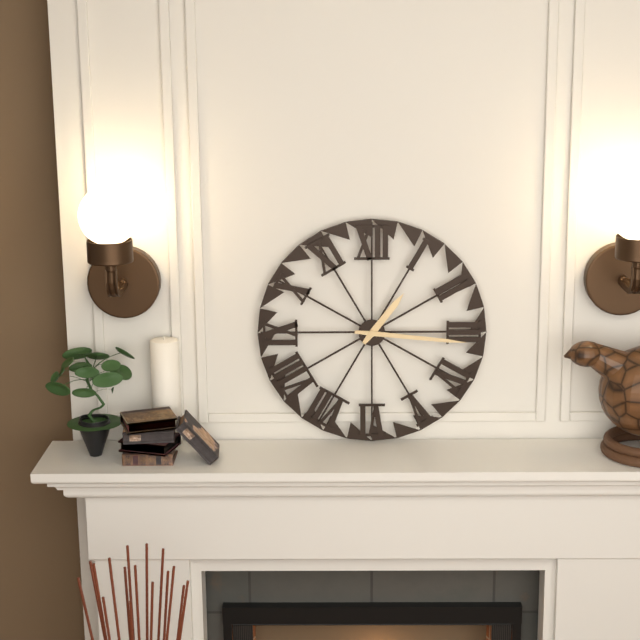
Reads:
h=1 m=16
